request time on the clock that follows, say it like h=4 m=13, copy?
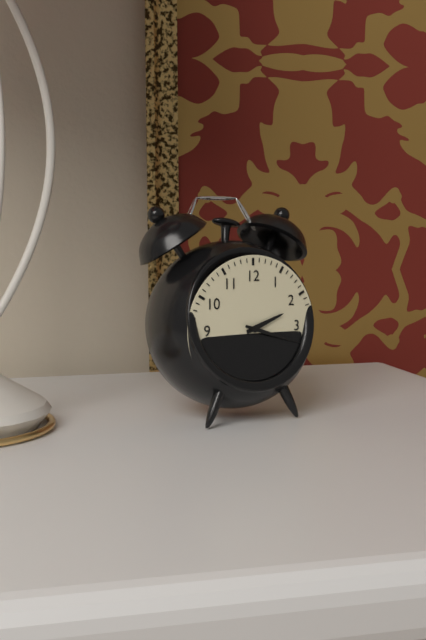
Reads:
h=2 m=18
